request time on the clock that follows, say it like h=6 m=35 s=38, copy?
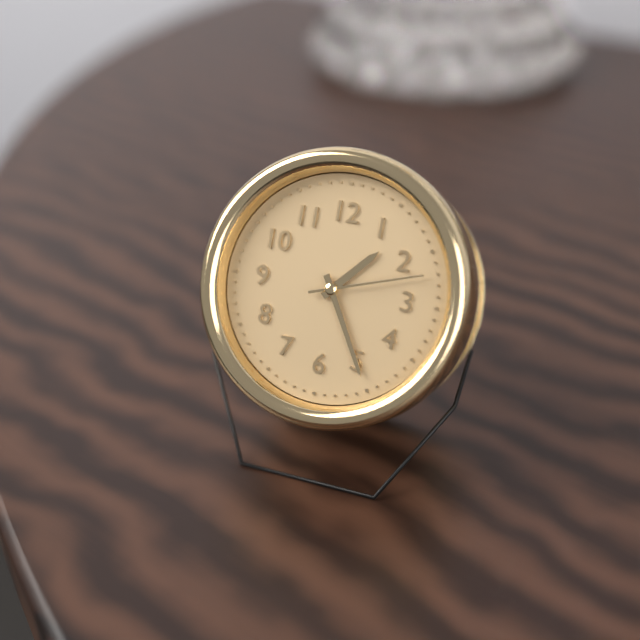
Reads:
h=1 m=25 s=12
